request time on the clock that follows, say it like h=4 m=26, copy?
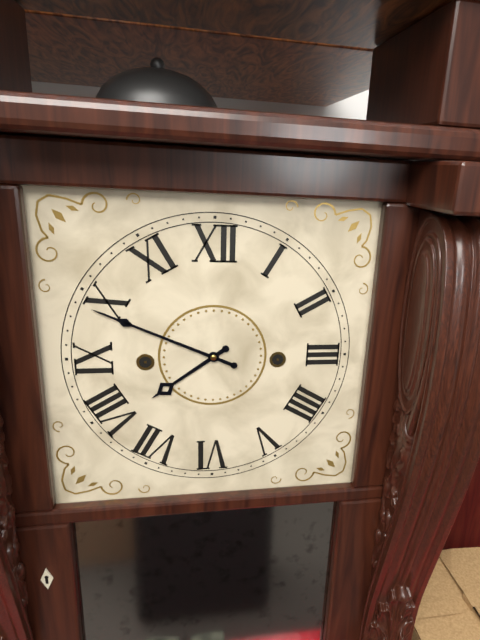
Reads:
h=7 m=49
